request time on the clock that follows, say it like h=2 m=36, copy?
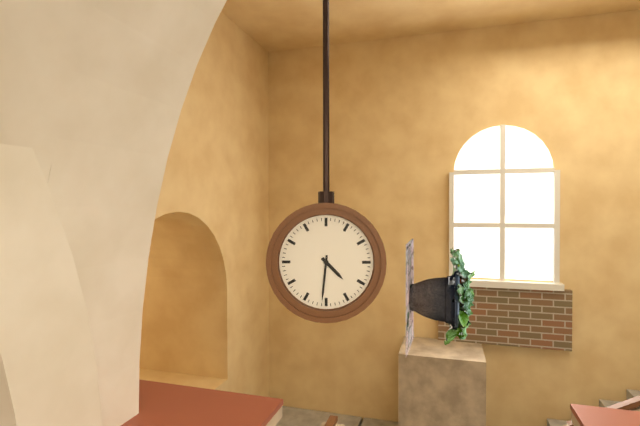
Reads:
h=4 m=31
